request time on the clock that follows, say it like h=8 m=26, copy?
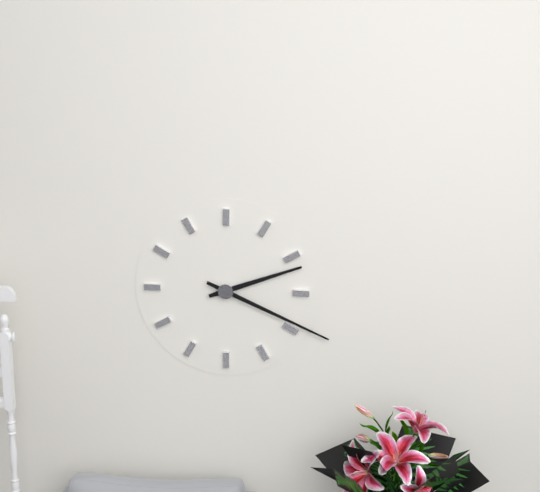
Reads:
h=2 m=19
